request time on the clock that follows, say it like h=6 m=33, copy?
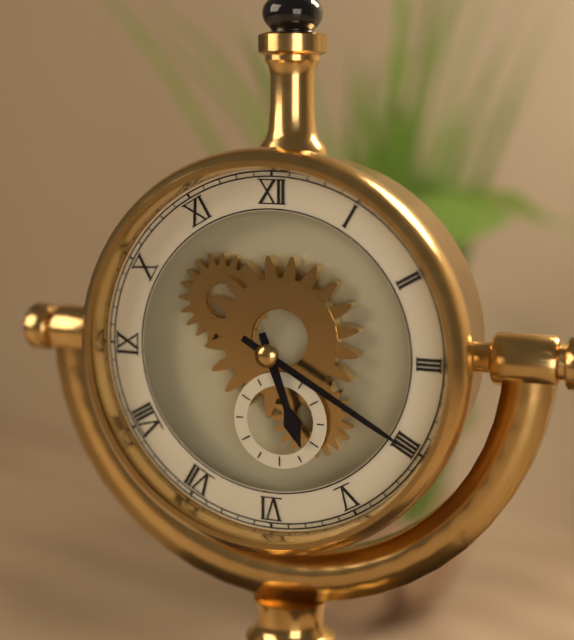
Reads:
h=5 m=20
